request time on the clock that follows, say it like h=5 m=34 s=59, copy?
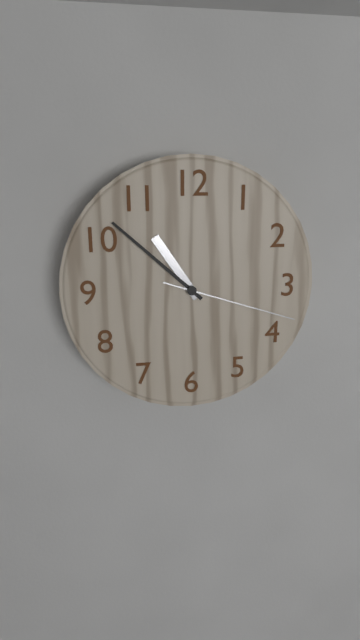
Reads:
h=10 m=52 s=18
